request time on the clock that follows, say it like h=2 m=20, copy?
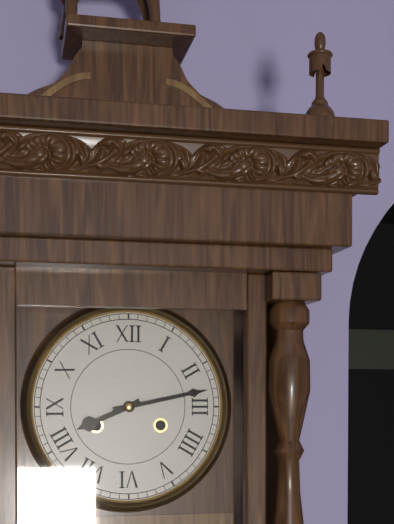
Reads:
h=8 m=13
